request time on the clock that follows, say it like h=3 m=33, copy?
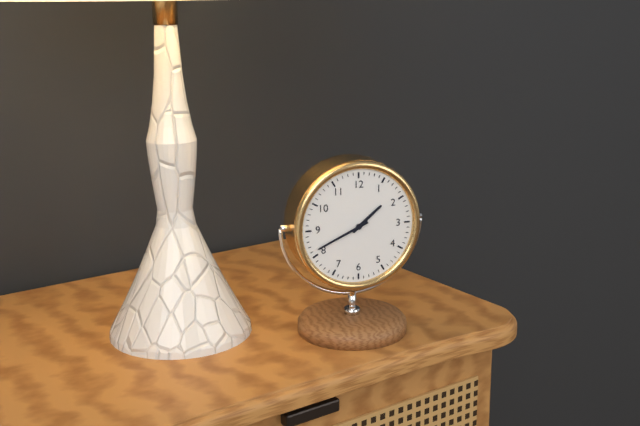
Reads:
h=1 m=41
